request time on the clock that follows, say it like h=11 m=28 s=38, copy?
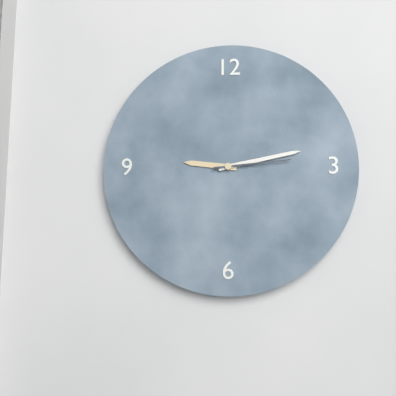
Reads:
h=9 m=13 s=14
